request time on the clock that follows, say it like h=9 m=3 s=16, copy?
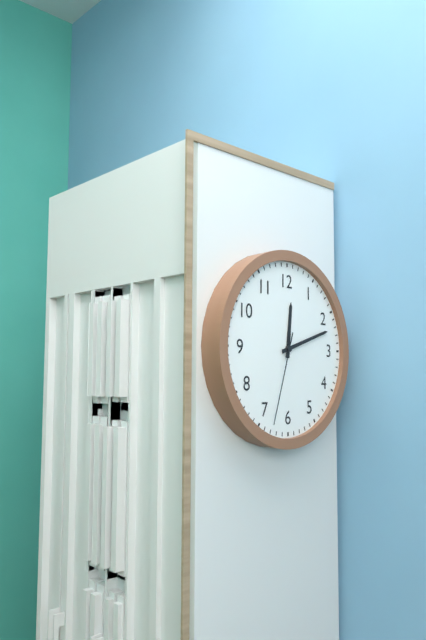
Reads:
h=12 m=12 s=33
